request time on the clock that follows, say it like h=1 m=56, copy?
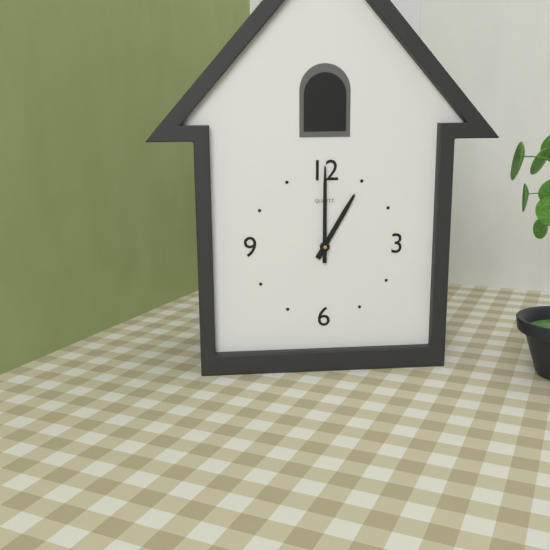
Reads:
h=1 m=0
